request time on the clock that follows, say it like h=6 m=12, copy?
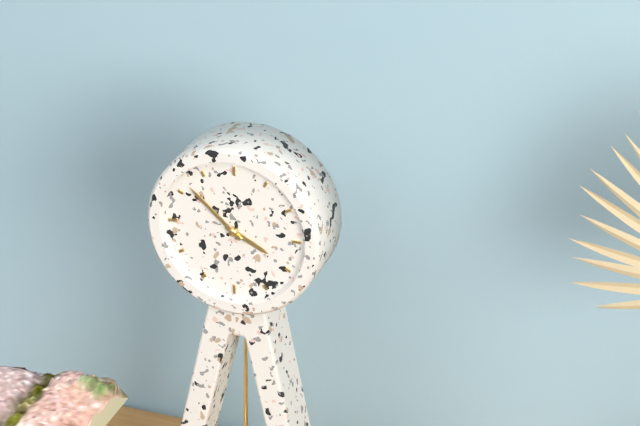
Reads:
h=3 m=52
